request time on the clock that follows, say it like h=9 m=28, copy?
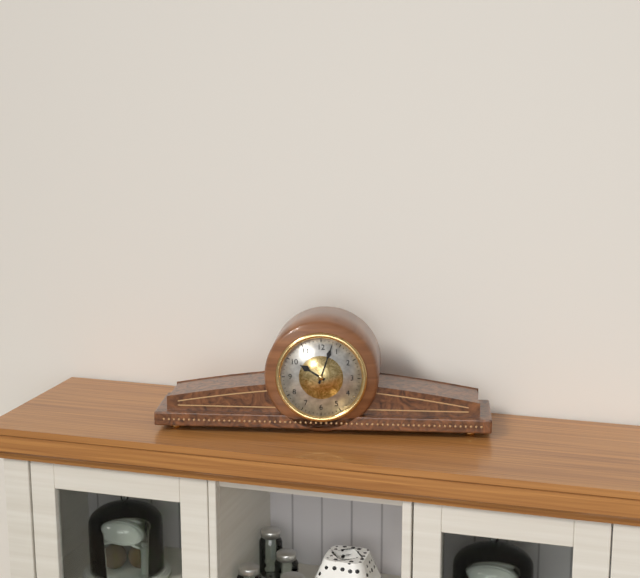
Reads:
h=10 m=3
